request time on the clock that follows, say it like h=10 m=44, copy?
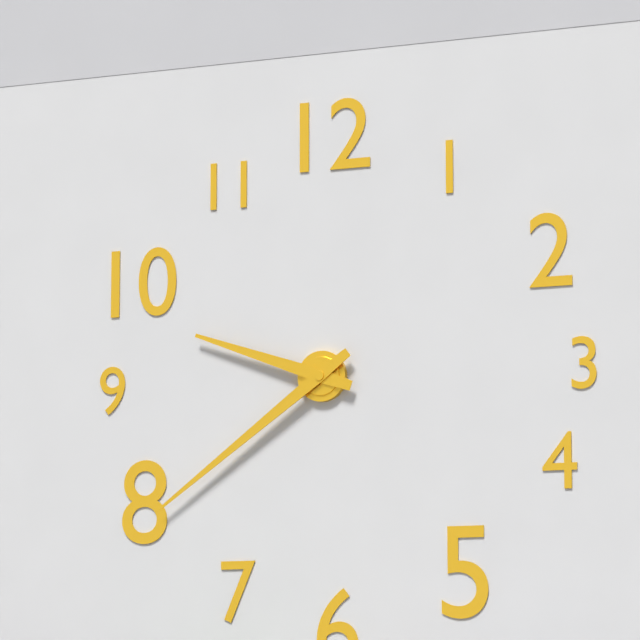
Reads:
h=9 m=39
